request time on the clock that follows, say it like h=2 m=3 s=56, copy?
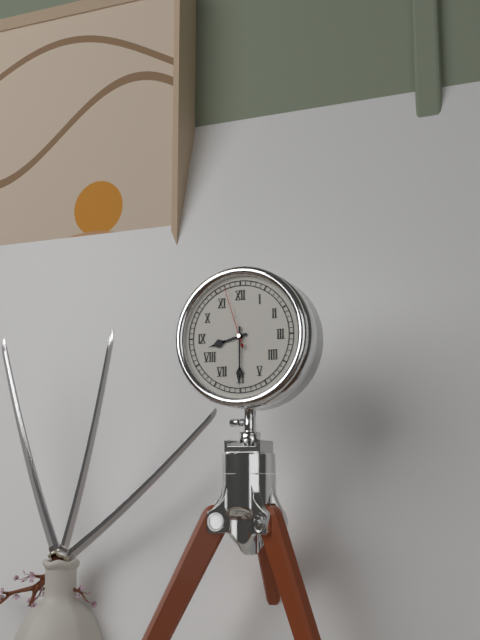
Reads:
h=8 m=30 s=57
